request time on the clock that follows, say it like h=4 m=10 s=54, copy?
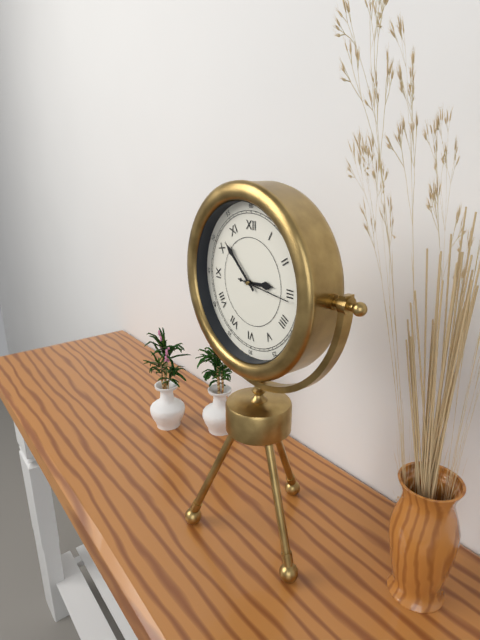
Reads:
h=2 m=52 s=16
